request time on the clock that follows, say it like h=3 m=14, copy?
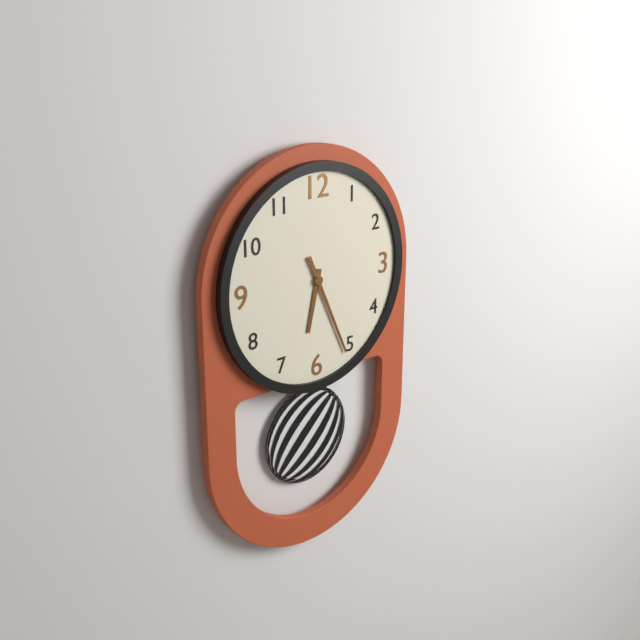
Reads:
h=6 m=26
